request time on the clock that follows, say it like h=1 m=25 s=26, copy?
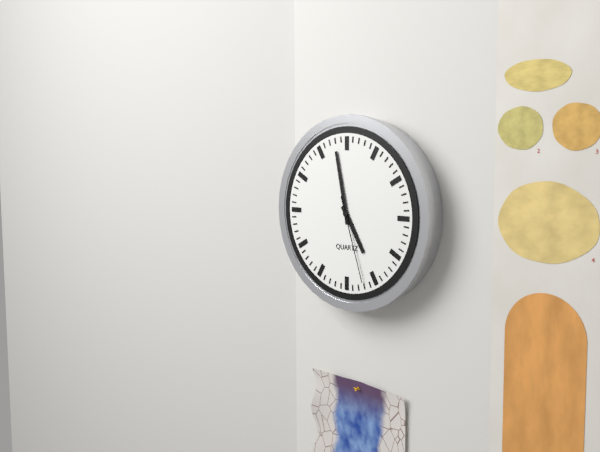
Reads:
h=4 m=58 s=27
